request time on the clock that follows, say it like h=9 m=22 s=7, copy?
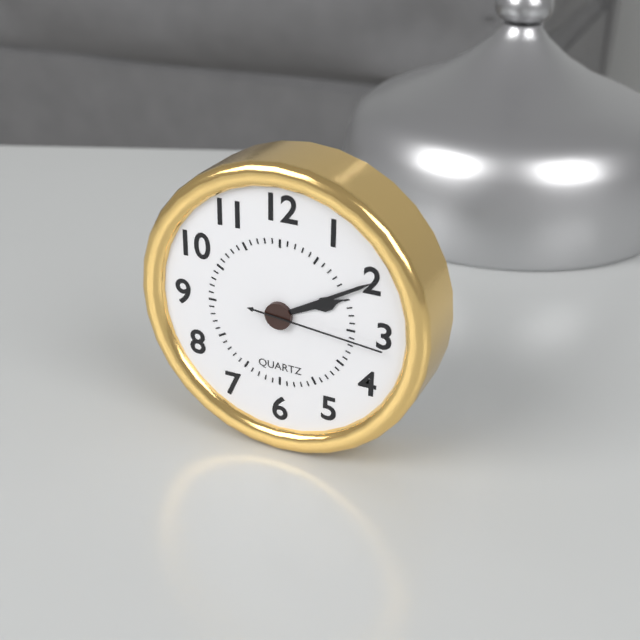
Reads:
h=2 m=10 s=16
